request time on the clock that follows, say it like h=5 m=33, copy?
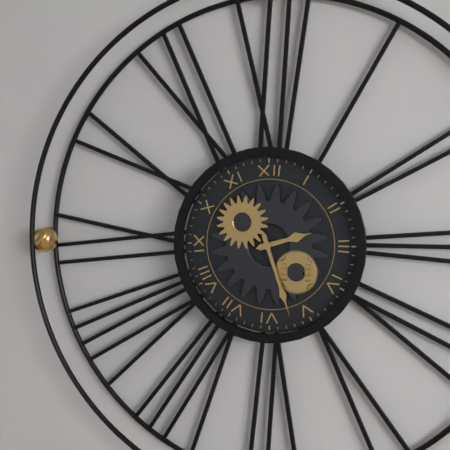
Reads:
h=2 m=27
